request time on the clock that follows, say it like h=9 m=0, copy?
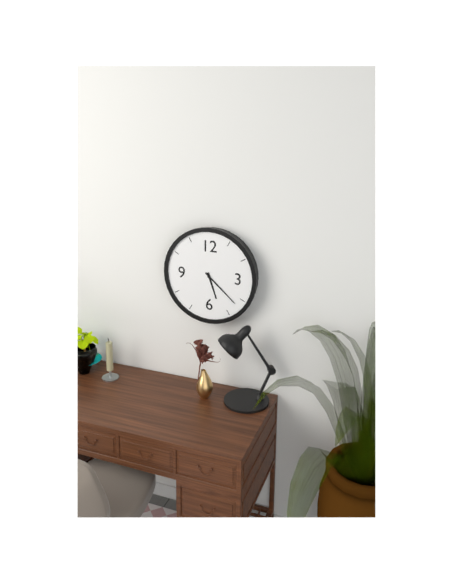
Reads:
h=5 m=22
